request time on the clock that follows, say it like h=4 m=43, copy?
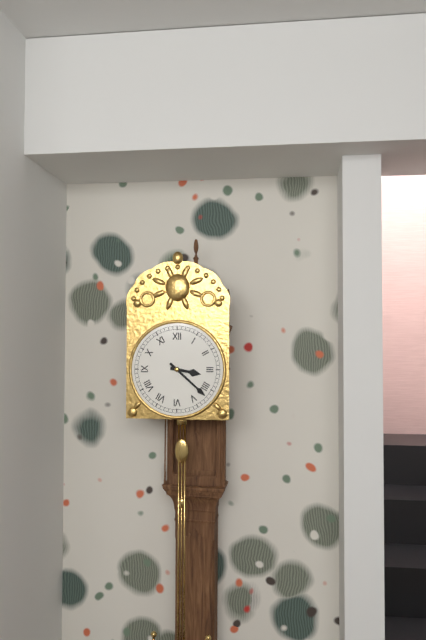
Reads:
h=3 m=22
